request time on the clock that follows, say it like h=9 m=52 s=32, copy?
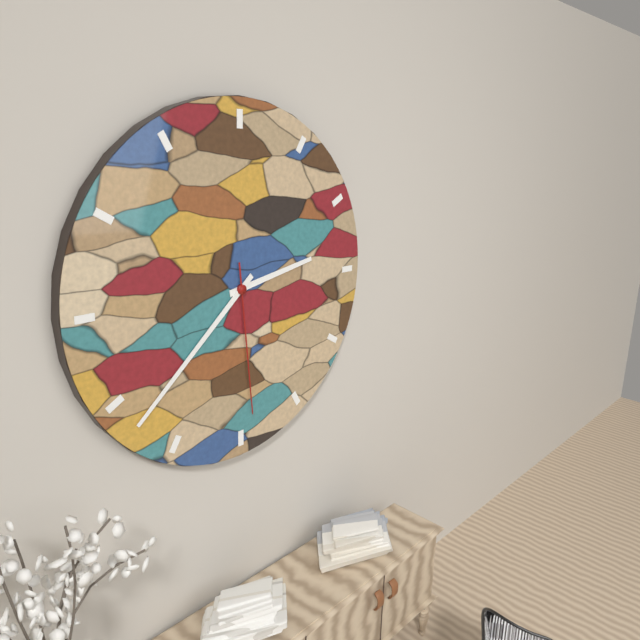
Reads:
h=2 m=38 s=29
